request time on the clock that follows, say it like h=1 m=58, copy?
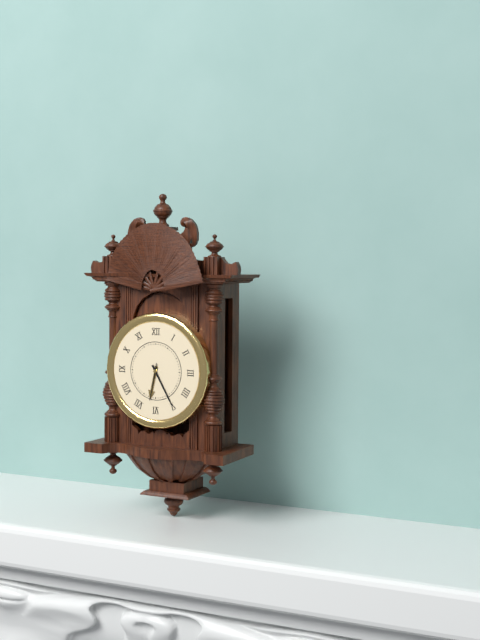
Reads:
h=6 m=25
